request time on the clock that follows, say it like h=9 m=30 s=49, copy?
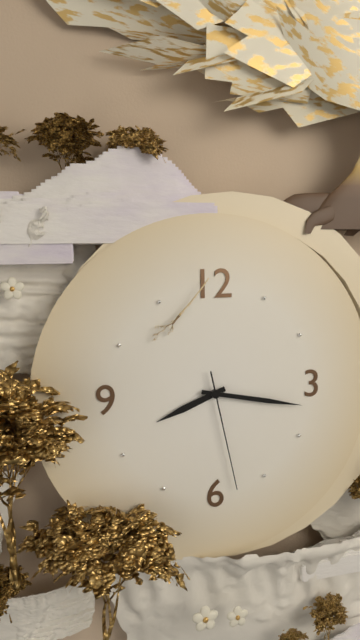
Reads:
h=8 m=17 s=28
